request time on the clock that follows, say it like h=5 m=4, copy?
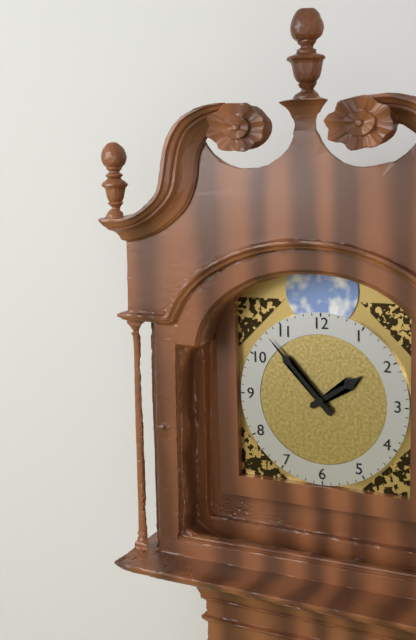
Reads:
h=1 m=53
